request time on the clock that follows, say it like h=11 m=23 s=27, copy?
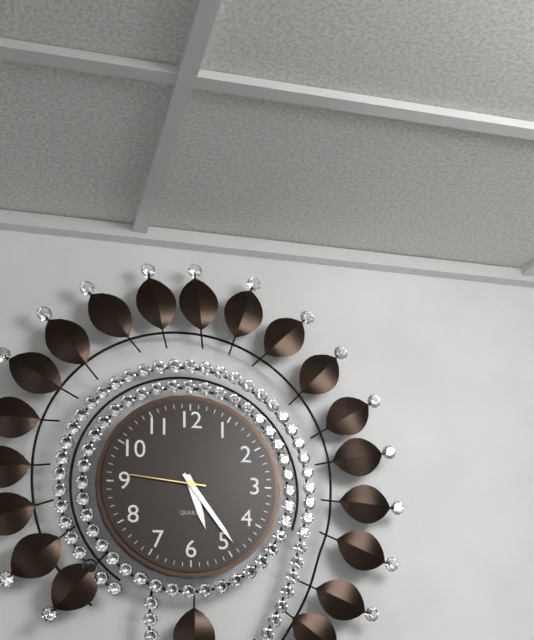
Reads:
h=5 m=24 s=46
